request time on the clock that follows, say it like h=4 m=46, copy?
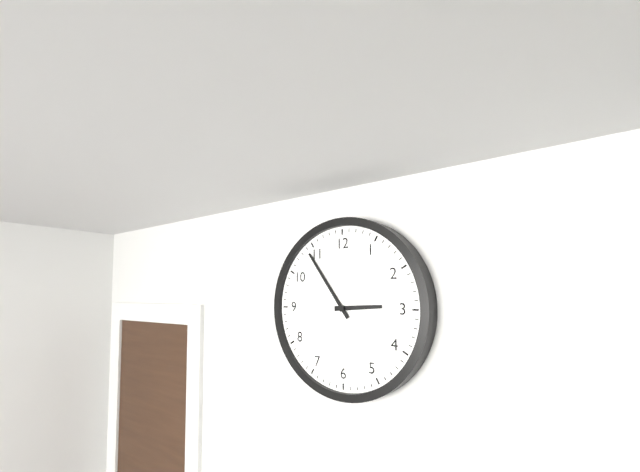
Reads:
h=2 m=54
